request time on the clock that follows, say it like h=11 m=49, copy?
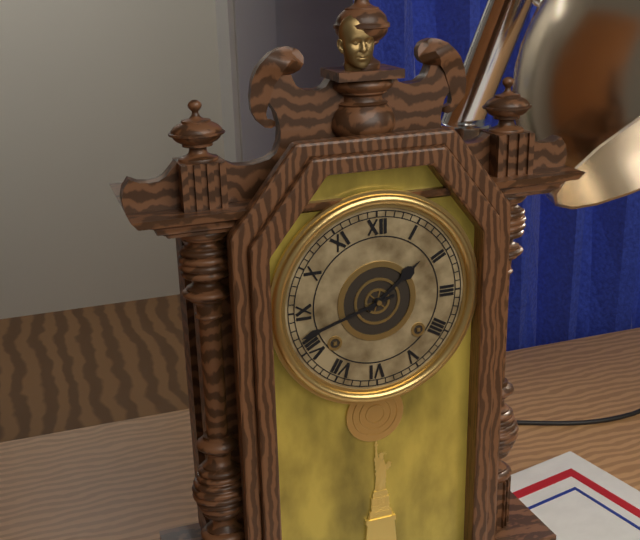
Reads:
h=1 m=42
